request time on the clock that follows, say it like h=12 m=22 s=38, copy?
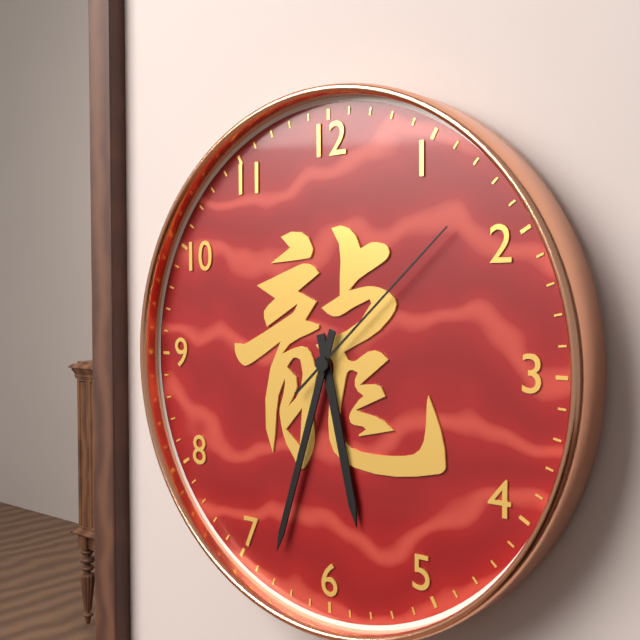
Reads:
h=5 m=33 s=8
